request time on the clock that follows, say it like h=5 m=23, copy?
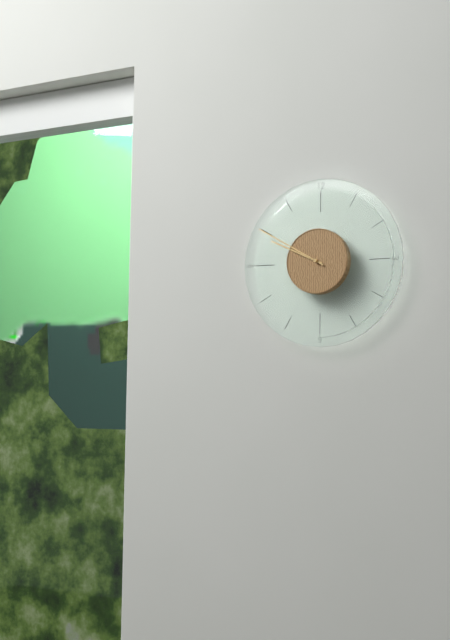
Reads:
h=9 m=50
